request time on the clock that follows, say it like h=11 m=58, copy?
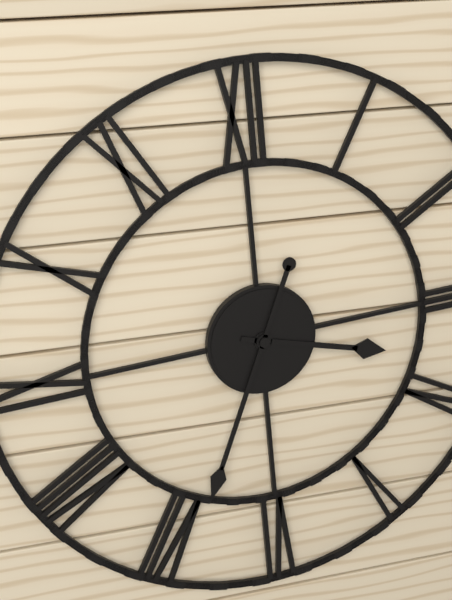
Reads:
h=3 m=34
